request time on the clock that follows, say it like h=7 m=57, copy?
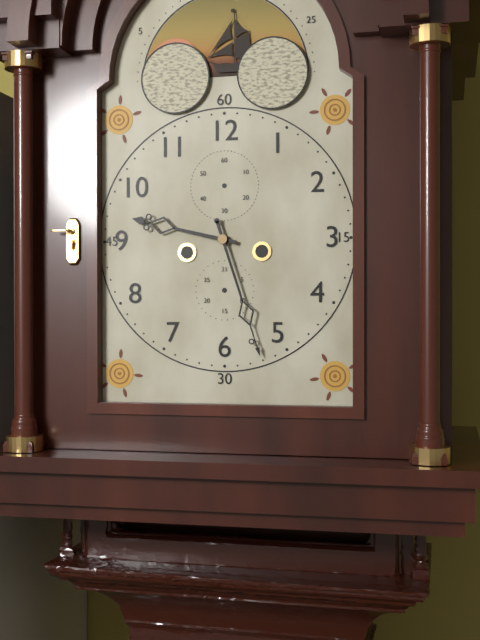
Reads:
h=9 m=27
